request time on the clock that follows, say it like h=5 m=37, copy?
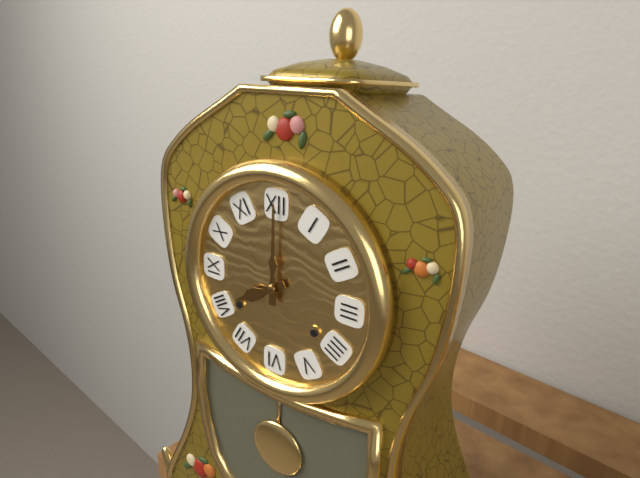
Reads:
h=8 m=0
